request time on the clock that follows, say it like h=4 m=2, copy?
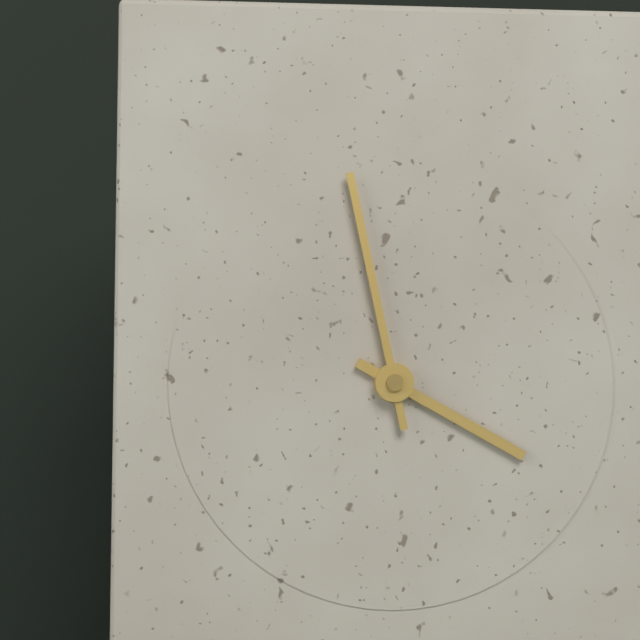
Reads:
h=3 m=58
